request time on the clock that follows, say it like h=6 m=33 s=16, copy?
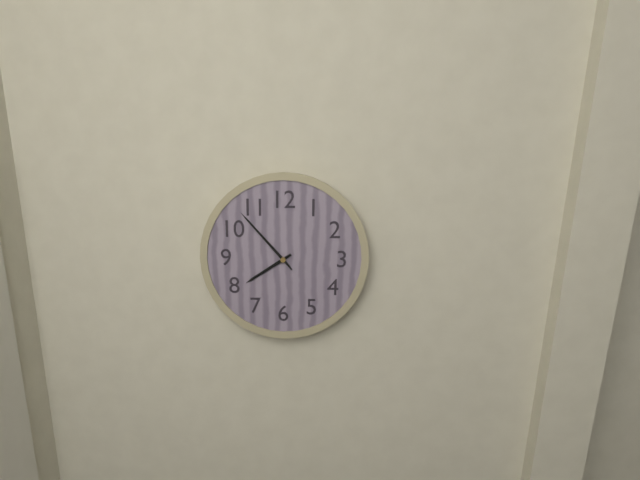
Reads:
h=7 m=53 s=53
